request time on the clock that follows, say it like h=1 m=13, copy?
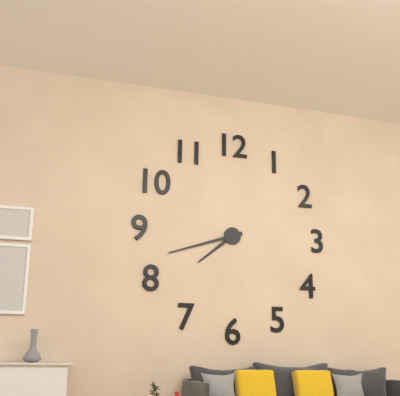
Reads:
h=7 m=42
